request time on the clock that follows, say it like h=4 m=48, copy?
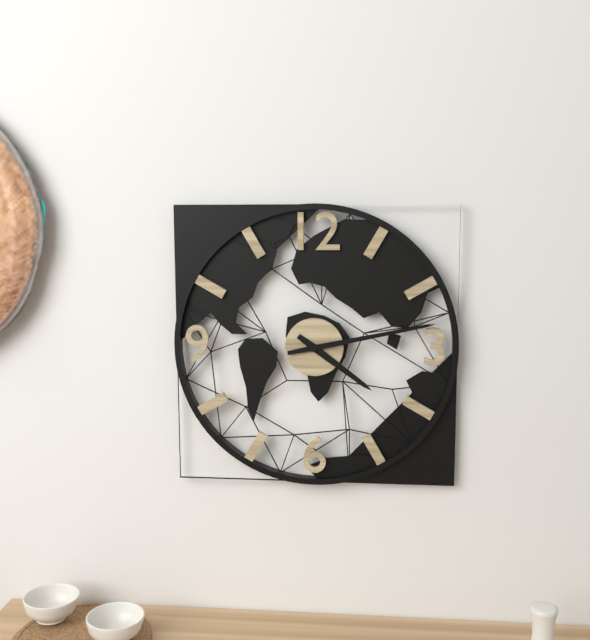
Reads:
h=4 m=13
